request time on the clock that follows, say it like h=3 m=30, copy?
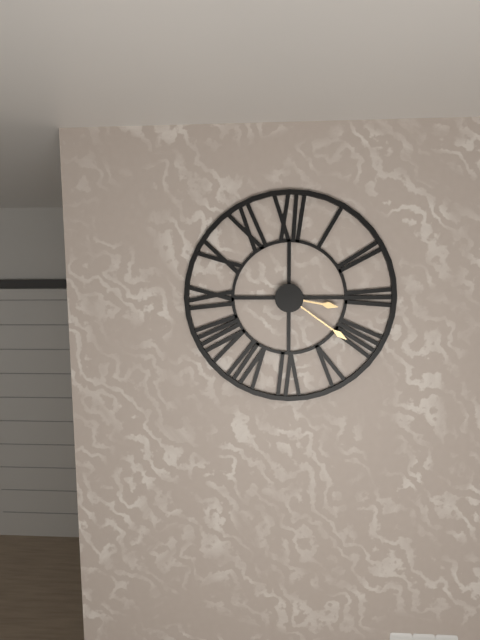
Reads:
h=3 m=21
